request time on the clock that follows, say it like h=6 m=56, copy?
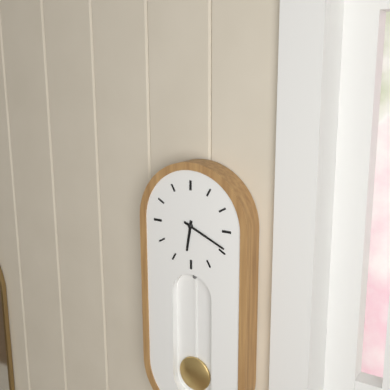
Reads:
h=6 m=19
